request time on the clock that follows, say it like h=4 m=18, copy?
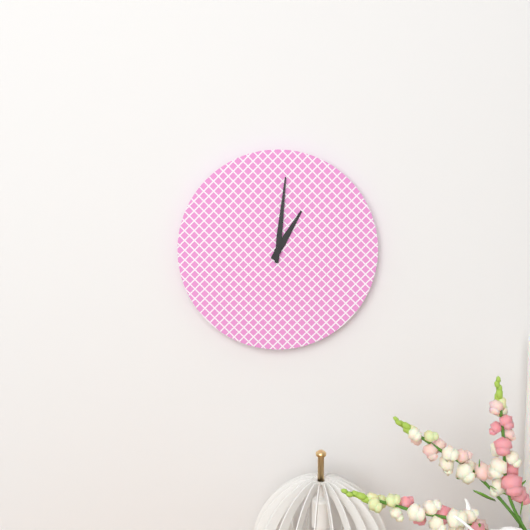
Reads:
h=1 m=1
